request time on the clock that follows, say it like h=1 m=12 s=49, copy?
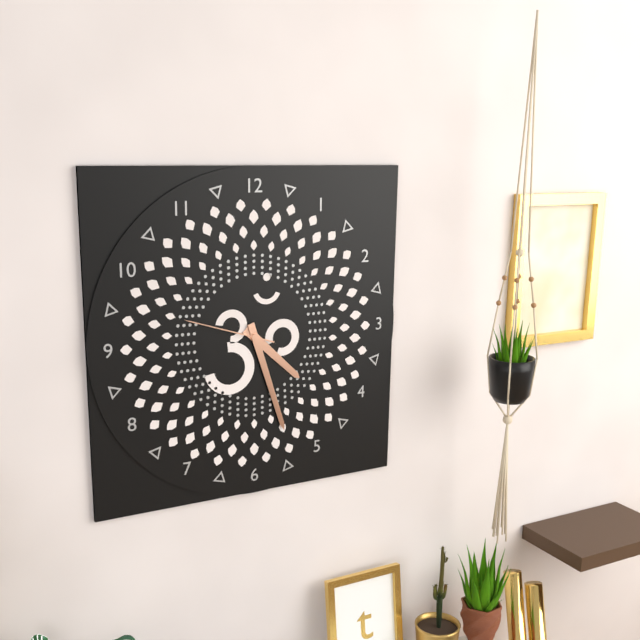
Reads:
h=4 m=27 s=48
